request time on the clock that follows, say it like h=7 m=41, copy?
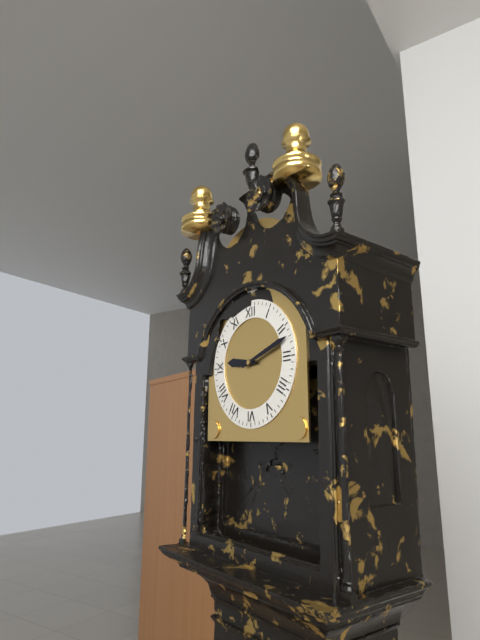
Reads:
h=9 m=12
